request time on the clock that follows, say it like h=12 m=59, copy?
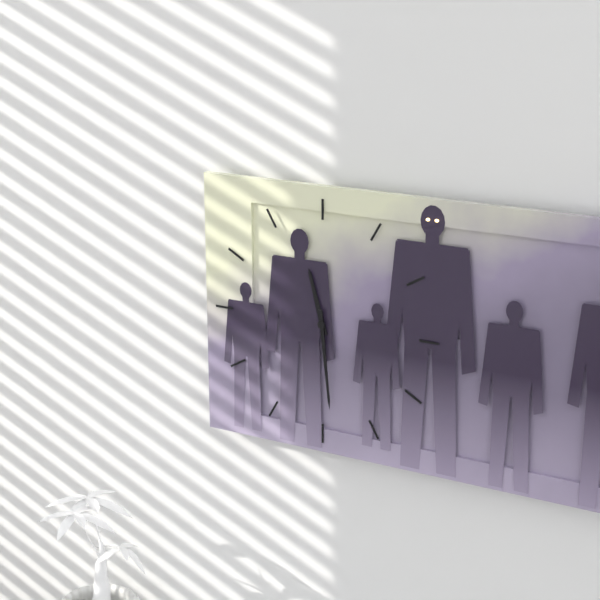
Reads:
h=11 m=29
